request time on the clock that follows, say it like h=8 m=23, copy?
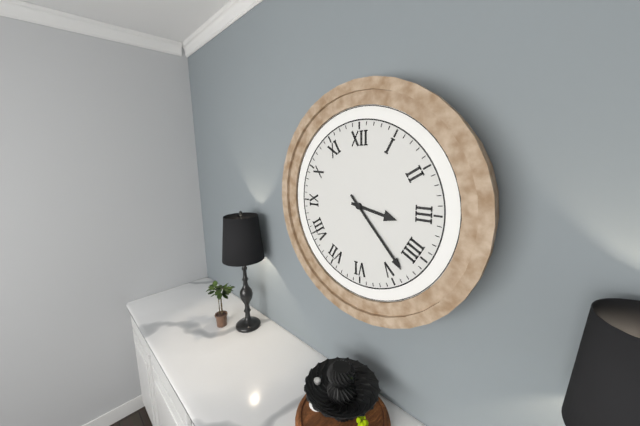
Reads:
h=3 m=23
